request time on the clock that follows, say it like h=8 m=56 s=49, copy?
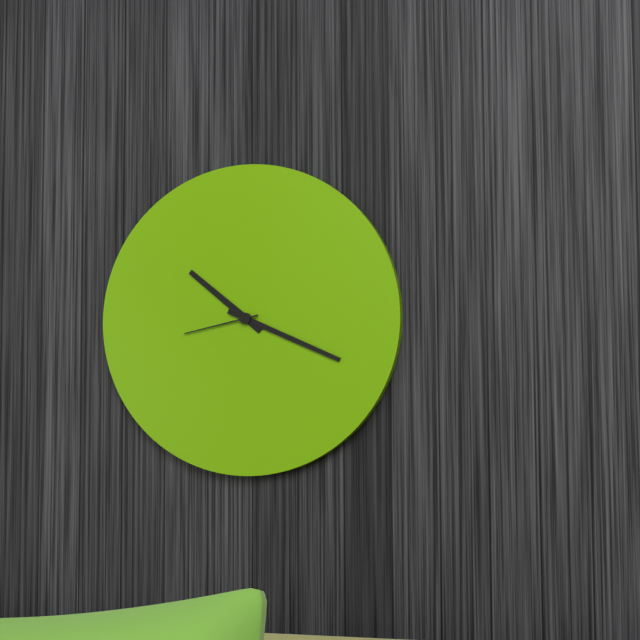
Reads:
h=10 m=19 s=43
